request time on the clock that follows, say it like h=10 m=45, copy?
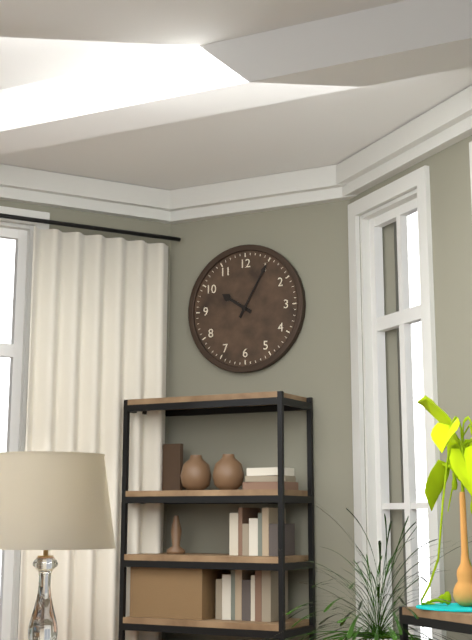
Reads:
h=10 m=5
